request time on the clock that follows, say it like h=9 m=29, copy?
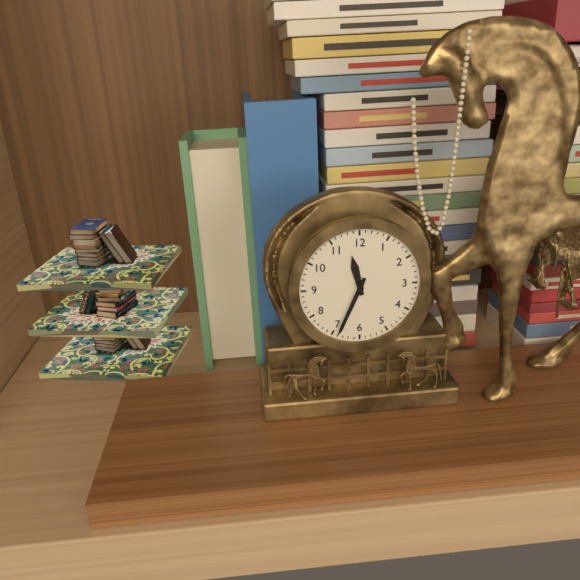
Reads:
h=11 m=34
